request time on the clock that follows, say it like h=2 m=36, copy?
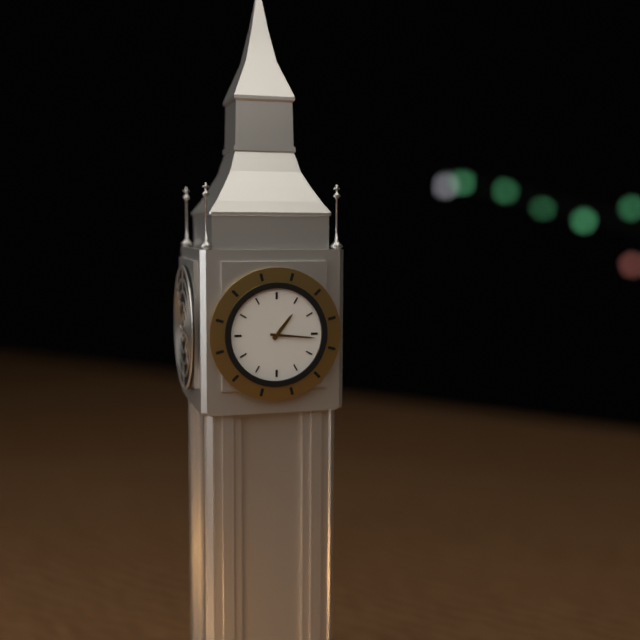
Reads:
h=1 m=16
